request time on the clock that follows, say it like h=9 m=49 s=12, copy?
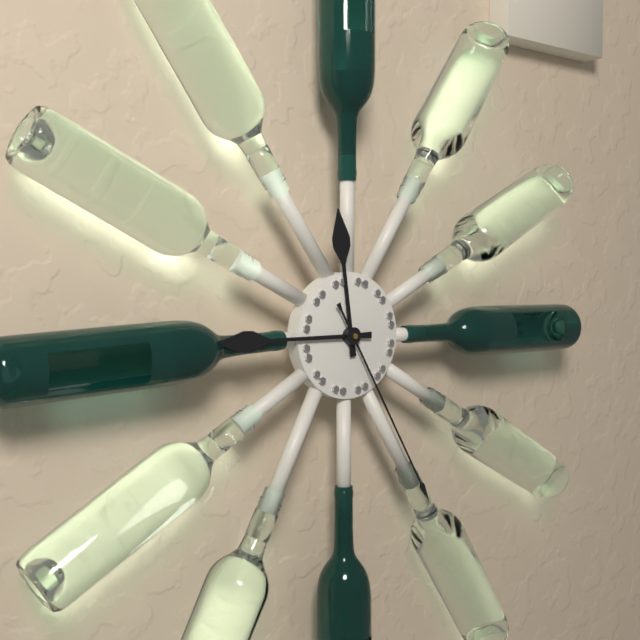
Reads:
h=11 m=45 s=25
